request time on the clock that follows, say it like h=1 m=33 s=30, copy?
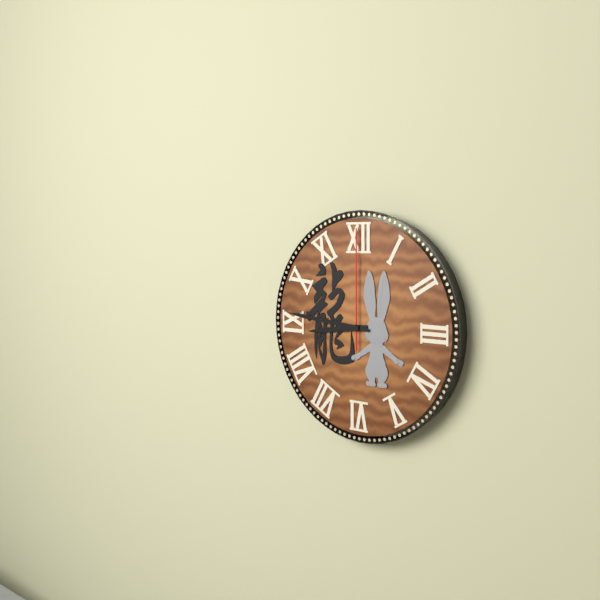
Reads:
h=8 m=46 s=0
